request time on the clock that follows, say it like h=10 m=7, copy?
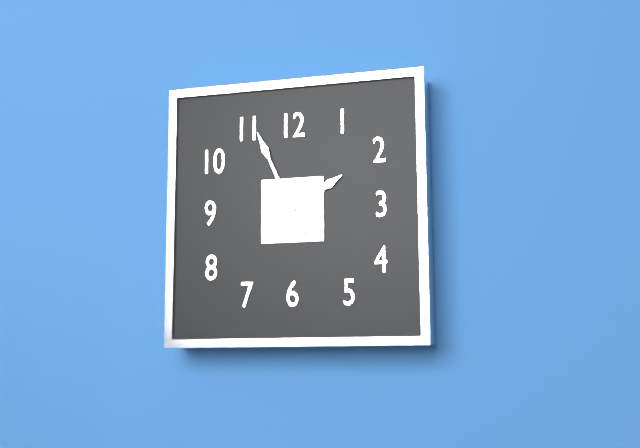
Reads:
h=1 m=56
